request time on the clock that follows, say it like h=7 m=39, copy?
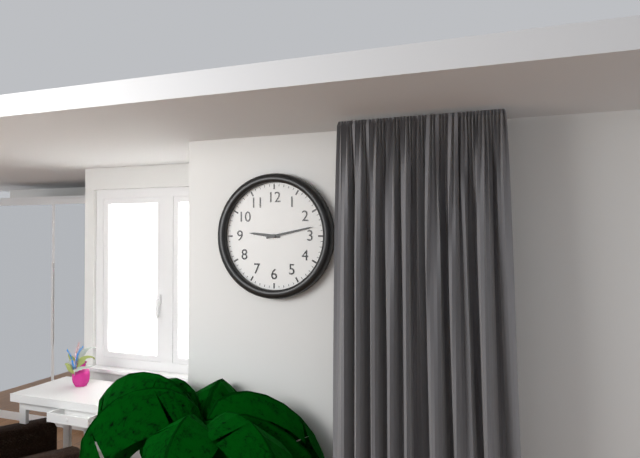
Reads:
h=9 m=13
